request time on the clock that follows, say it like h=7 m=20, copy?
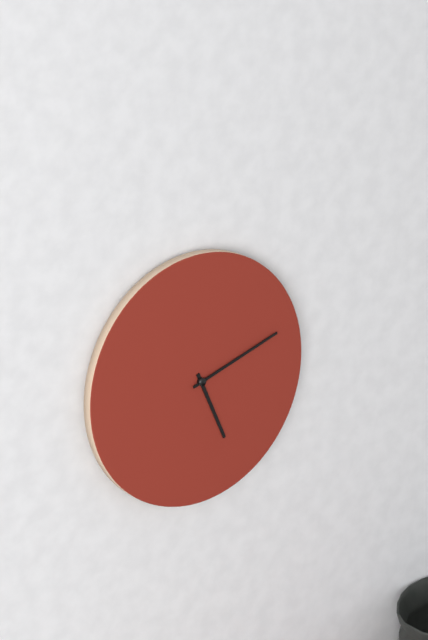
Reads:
h=5 m=12
